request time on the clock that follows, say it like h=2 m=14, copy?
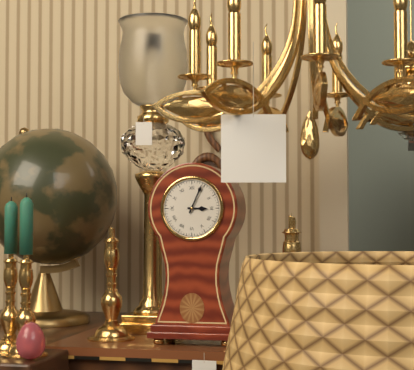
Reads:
h=3 m=4
